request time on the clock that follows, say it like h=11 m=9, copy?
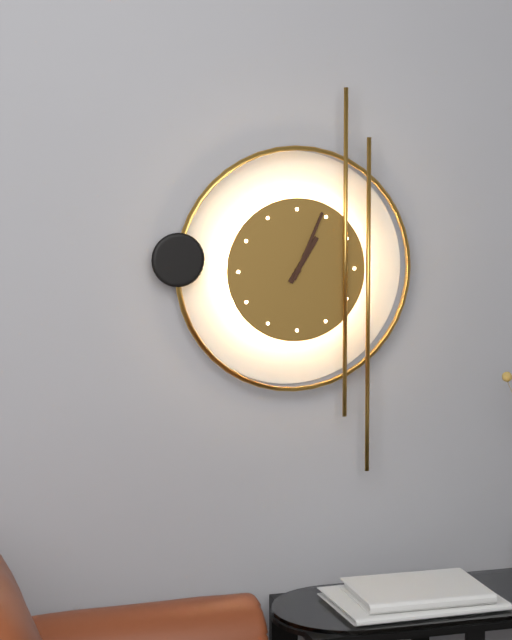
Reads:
h=1 m=4
